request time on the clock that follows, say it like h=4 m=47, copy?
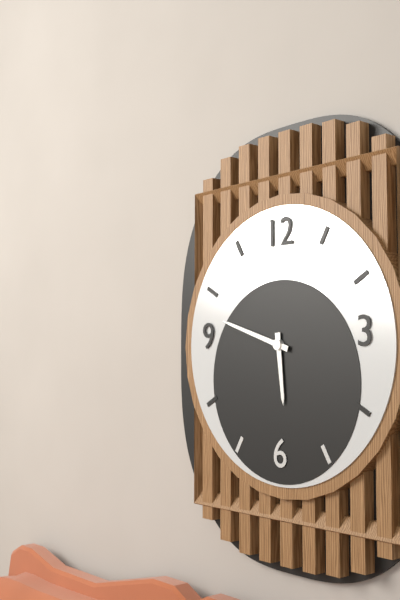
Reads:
h=5 m=48
